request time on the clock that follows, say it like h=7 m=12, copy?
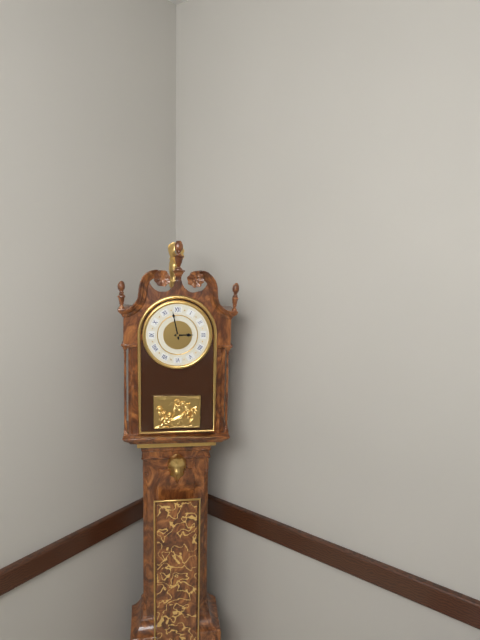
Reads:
h=2 m=58
